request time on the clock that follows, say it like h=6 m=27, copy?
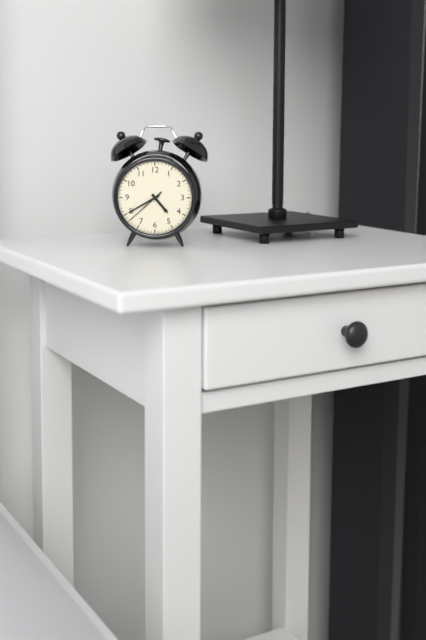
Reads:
h=4 m=40
